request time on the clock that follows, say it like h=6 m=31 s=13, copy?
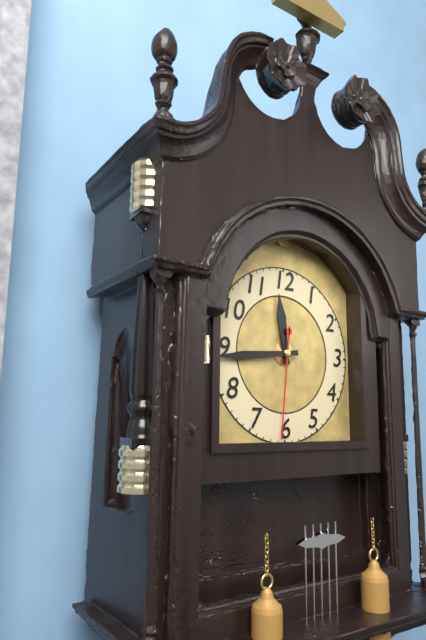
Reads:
h=11 m=44 s=31
